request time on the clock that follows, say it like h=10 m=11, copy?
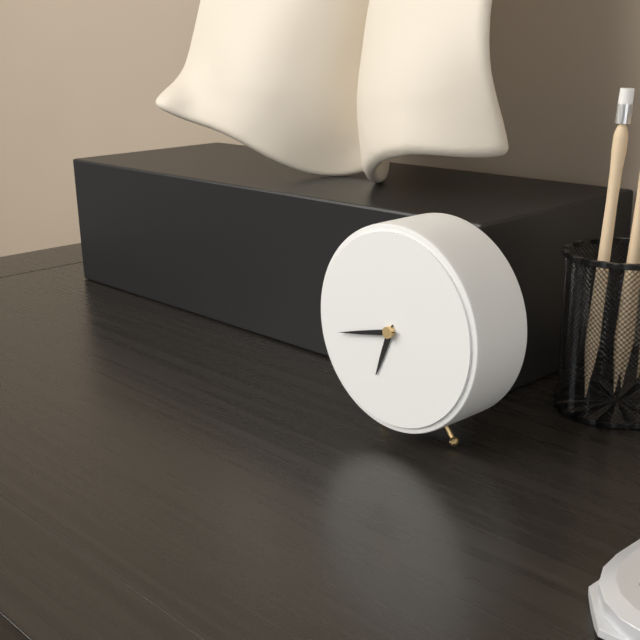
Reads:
h=6 m=43
